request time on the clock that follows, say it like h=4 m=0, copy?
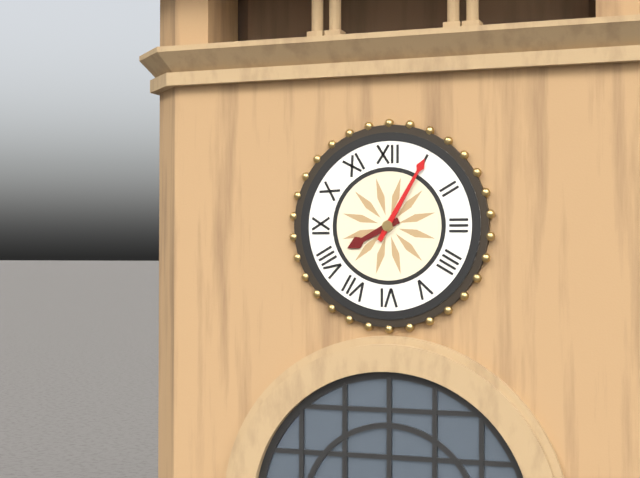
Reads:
h=8 m=5
